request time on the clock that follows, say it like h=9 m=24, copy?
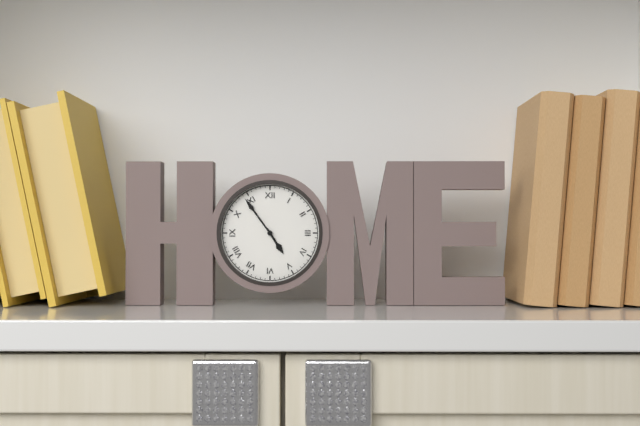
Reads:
h=4 m=54
